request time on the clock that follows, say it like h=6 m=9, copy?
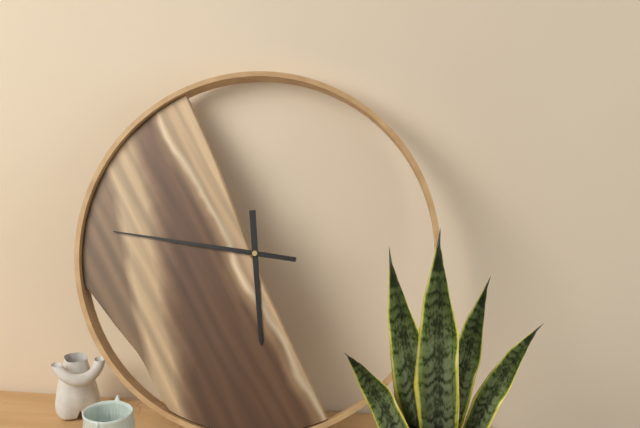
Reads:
h=5 m=46
